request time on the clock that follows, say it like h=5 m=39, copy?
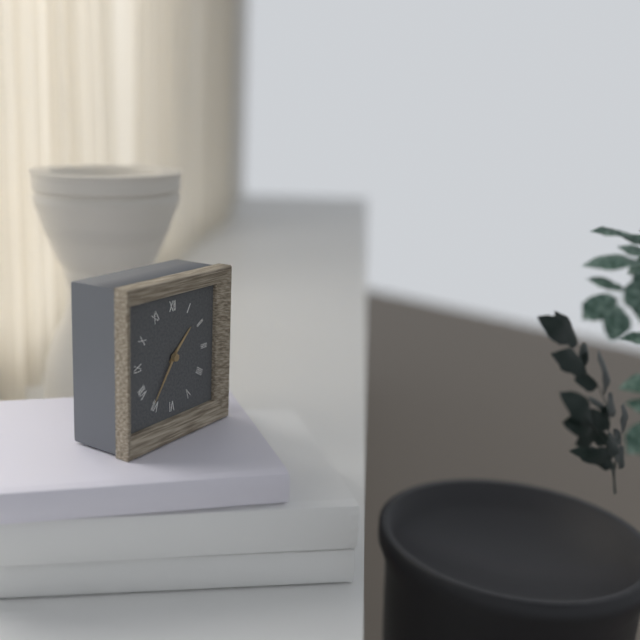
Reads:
h=1 m=36
